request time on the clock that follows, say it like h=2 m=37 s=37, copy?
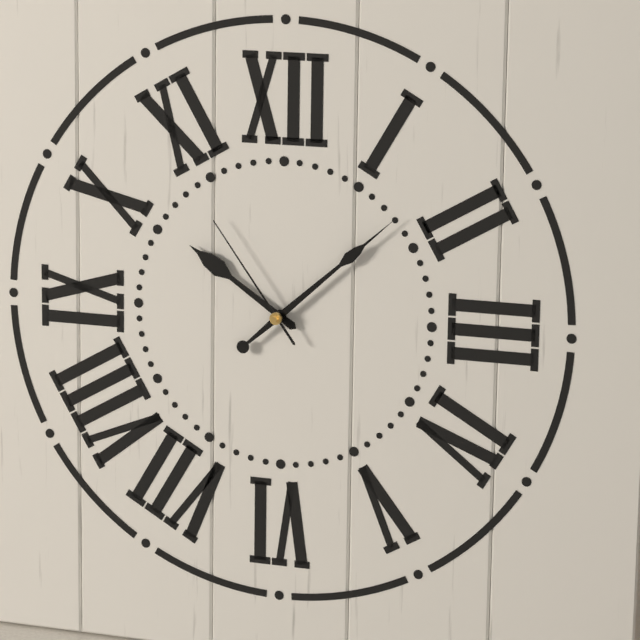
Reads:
h=10 m=8 s=54
